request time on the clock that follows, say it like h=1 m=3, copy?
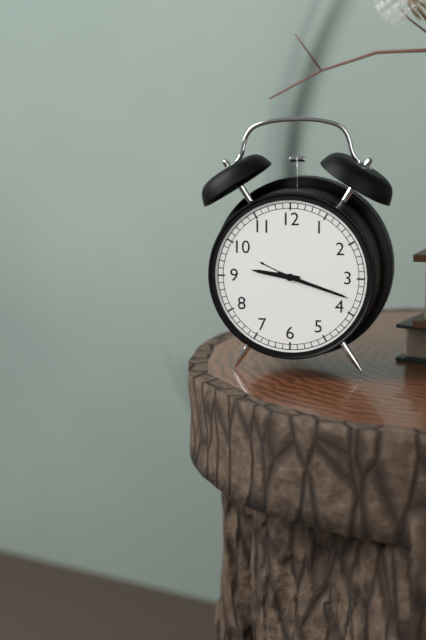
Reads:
h=9 m=18
